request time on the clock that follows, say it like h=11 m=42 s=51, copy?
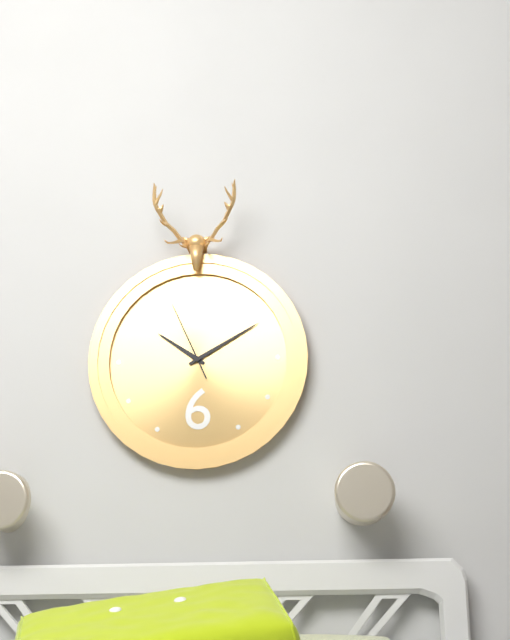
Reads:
h=10 m=10 s=56
